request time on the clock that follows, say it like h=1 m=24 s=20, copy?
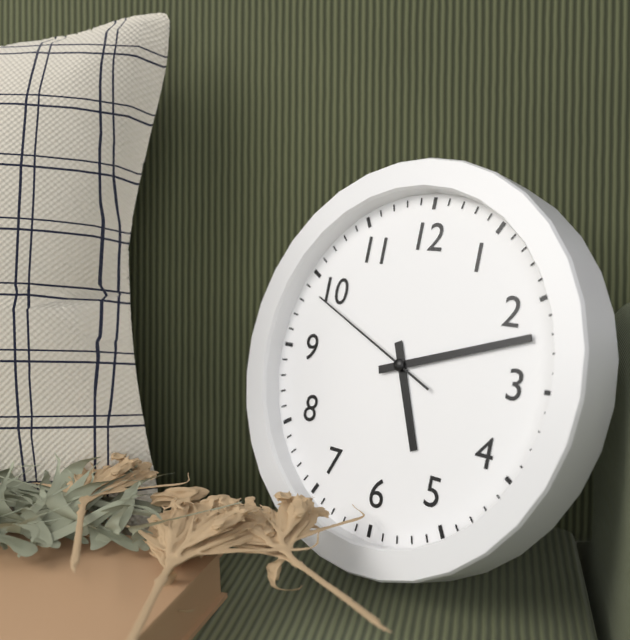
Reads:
h=5 m=12 s=49
